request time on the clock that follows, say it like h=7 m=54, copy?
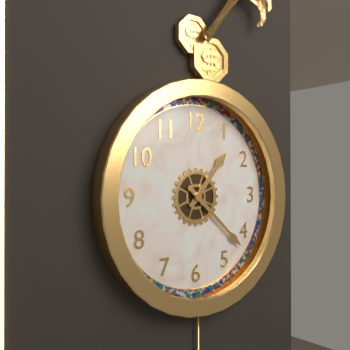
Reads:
h=1 m=22
